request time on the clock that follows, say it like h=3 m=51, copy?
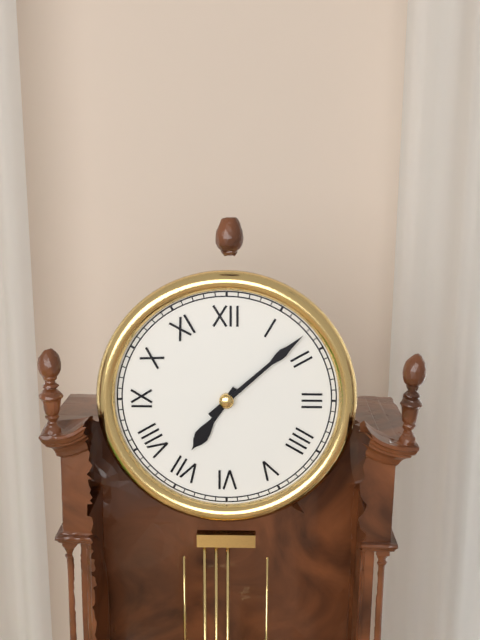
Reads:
h=7 m=8
